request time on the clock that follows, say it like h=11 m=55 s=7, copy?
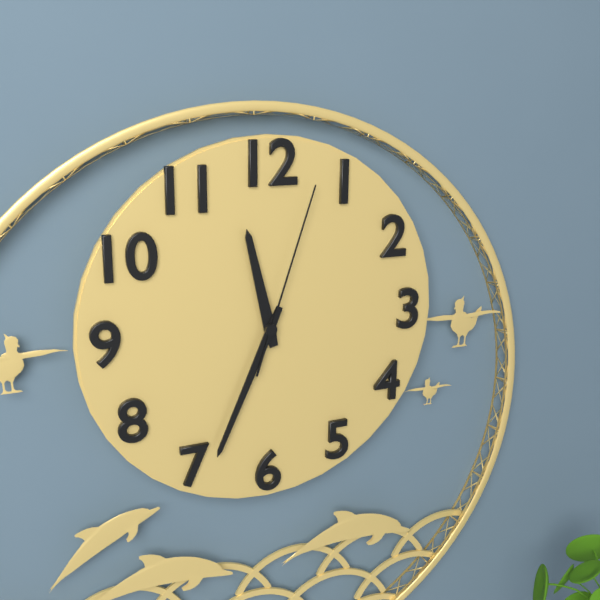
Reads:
h=11 m=34 s=3
